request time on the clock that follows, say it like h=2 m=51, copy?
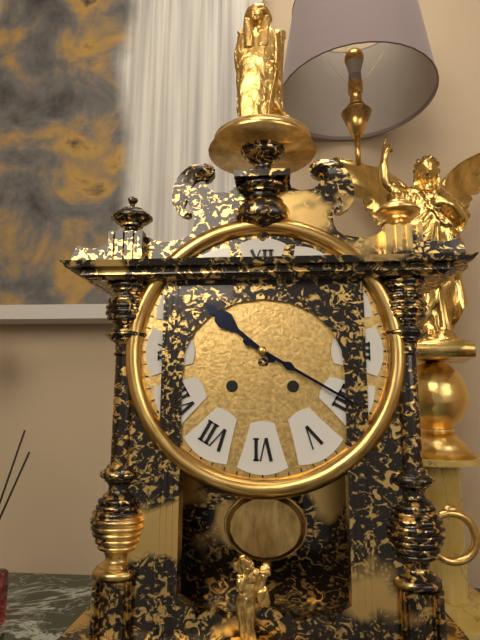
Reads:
h=10 m=20
